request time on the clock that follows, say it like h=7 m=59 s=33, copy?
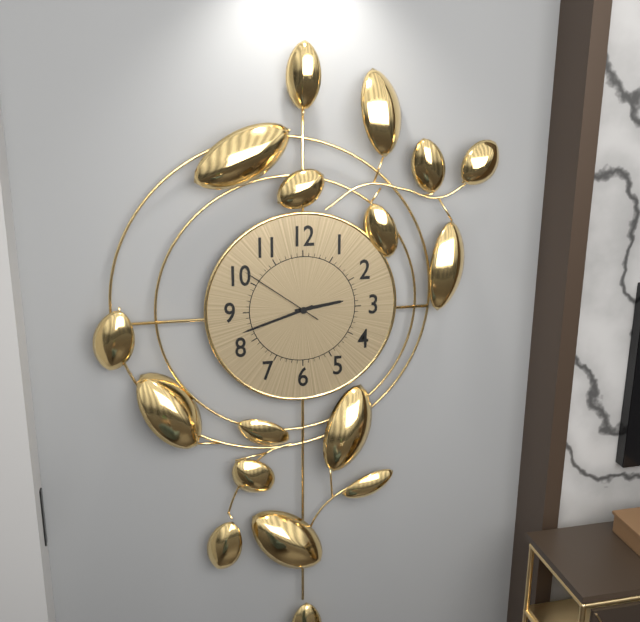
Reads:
h=2 m=42 s=51
